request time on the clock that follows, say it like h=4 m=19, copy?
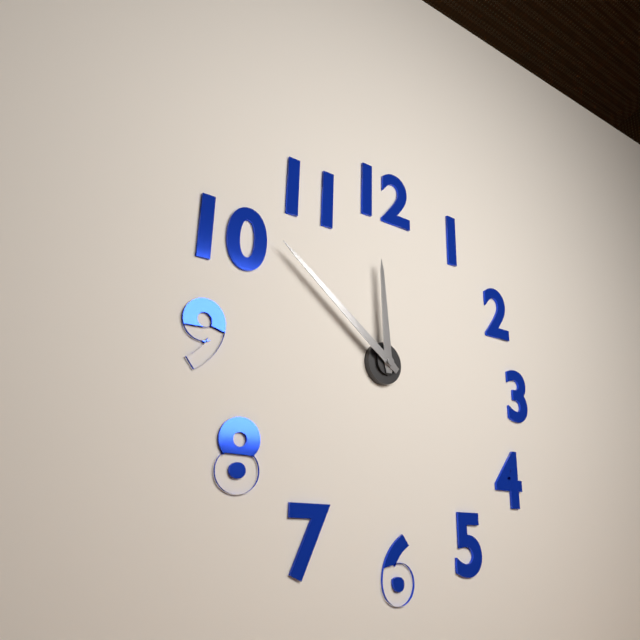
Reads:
h=11 m=51
